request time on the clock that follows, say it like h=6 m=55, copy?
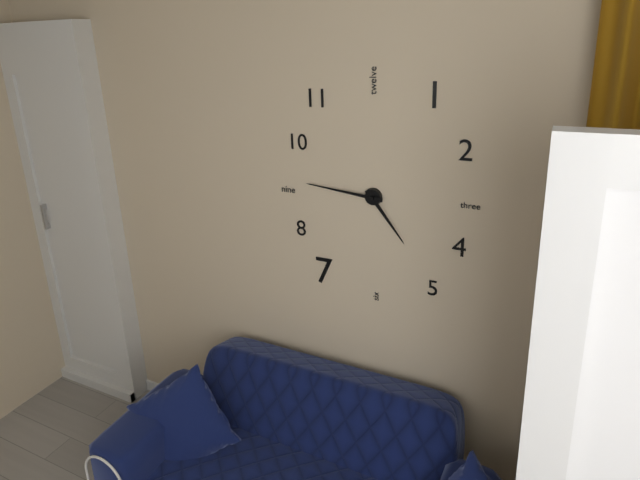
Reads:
h=4 m=46
